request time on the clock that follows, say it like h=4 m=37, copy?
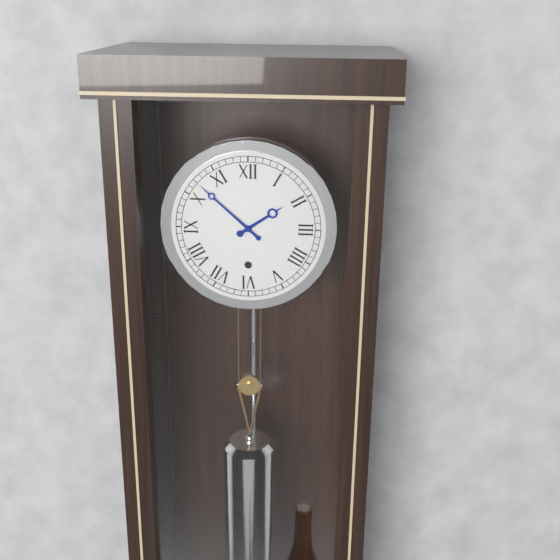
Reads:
h=1 m=52
